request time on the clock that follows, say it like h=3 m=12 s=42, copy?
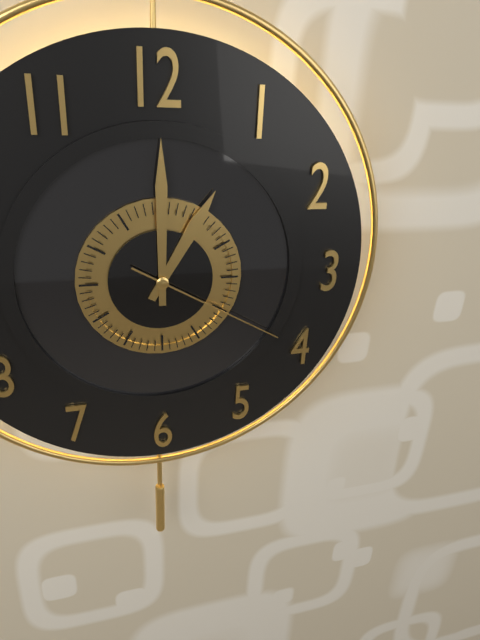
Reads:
h=1 m=0 s=20
